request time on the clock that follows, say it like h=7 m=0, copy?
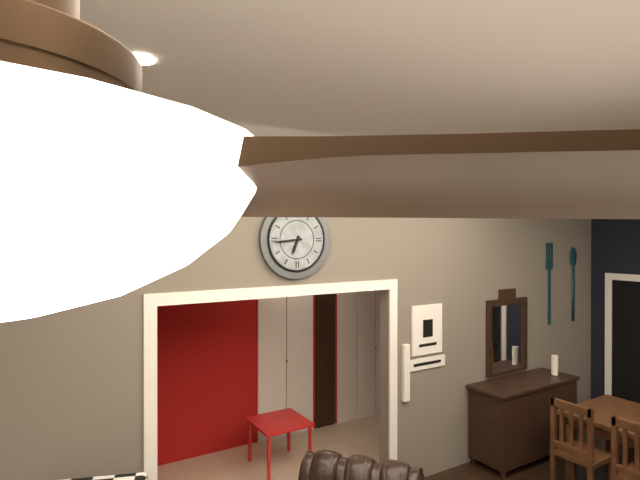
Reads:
h=6 m=44
